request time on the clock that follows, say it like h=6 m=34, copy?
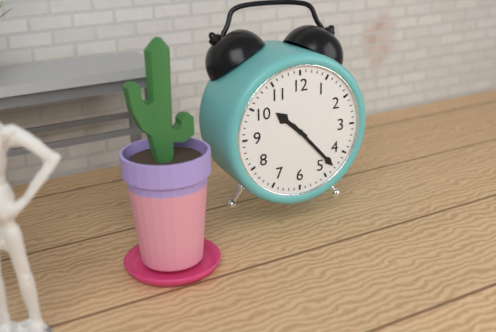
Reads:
h=10 m=23
